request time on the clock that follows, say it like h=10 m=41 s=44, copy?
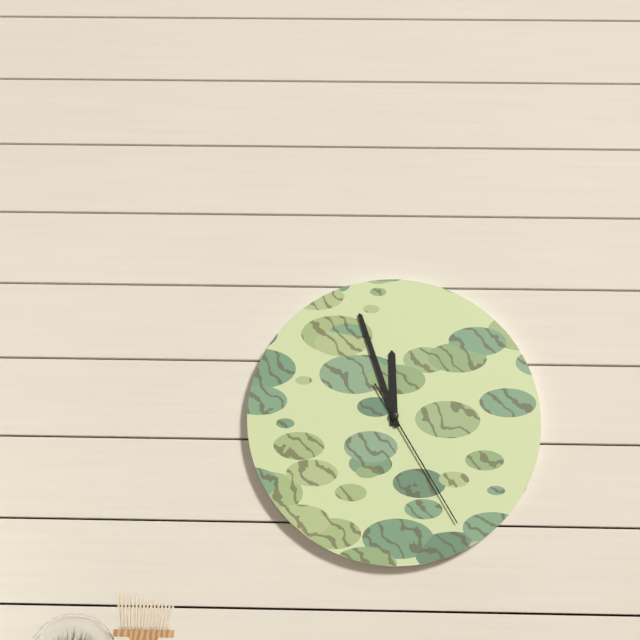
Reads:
h=11 m=57 s=25
